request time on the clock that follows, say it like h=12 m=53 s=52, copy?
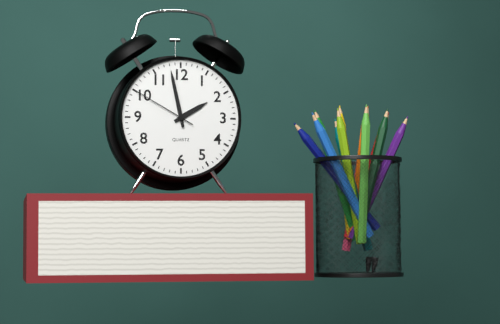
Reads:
h=1 m=58 s=50
